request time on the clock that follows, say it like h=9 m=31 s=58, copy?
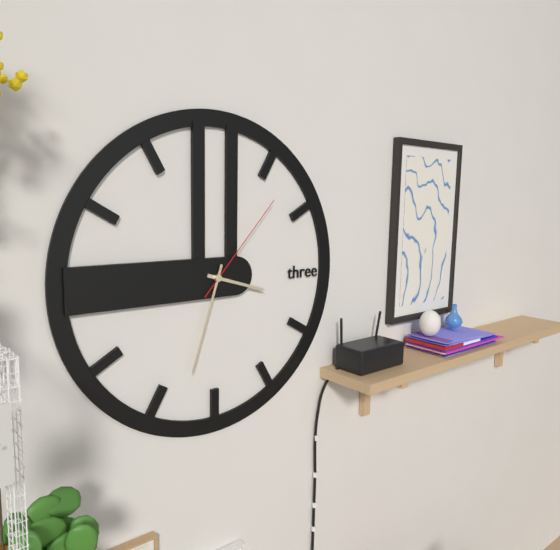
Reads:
h=3 m=33 s=7
